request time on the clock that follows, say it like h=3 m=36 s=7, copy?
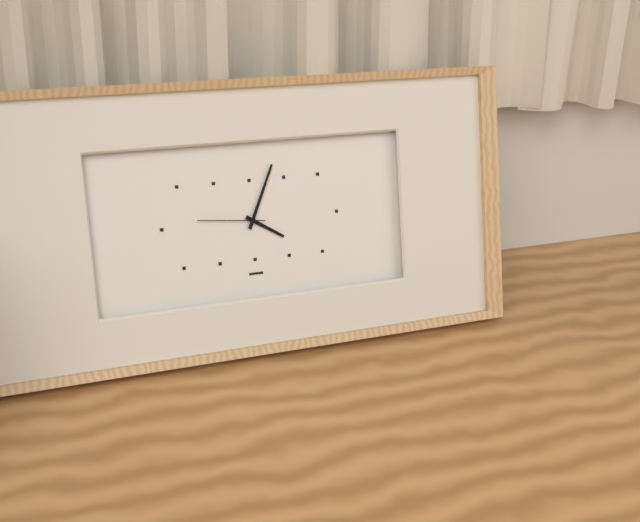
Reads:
h=4 m=4 s=46
